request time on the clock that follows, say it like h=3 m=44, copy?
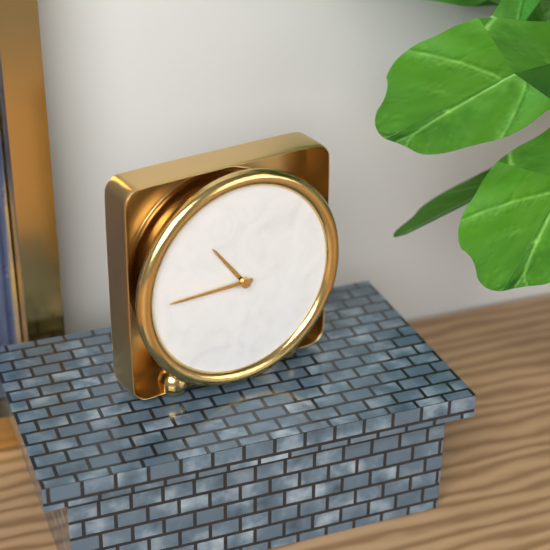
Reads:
h=10 m=45
